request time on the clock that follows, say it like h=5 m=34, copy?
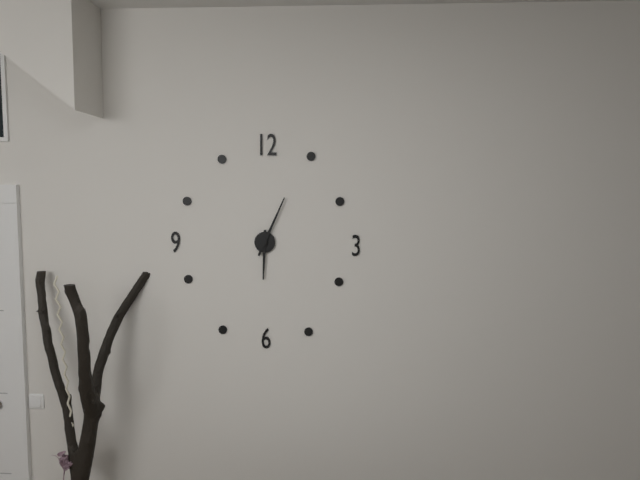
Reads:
h=6 m=4
